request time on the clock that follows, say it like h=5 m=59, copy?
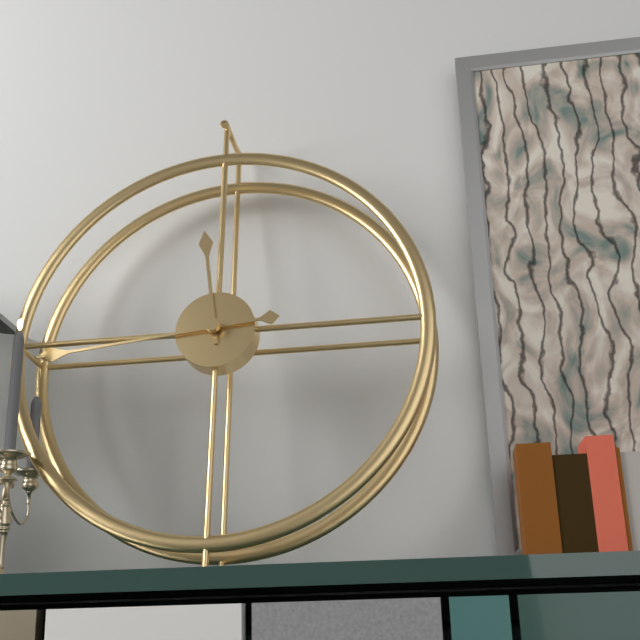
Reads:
h=11 m=44
